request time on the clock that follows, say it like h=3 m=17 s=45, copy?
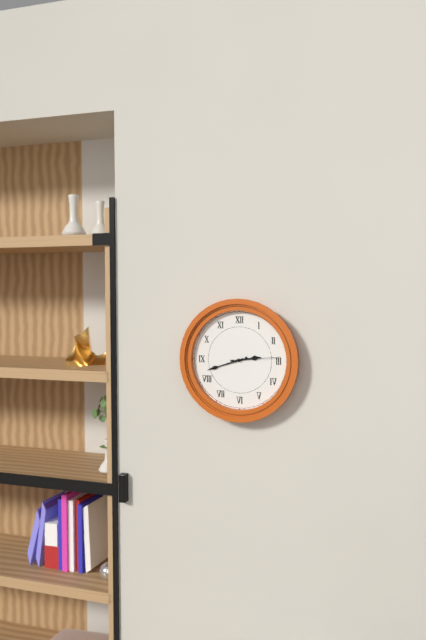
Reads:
h=2 m=42 s=14
